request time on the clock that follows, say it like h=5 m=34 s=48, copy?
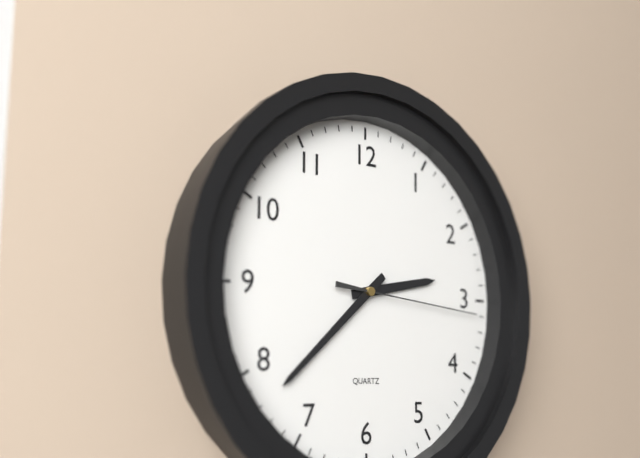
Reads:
h=2 m=38 s=16
